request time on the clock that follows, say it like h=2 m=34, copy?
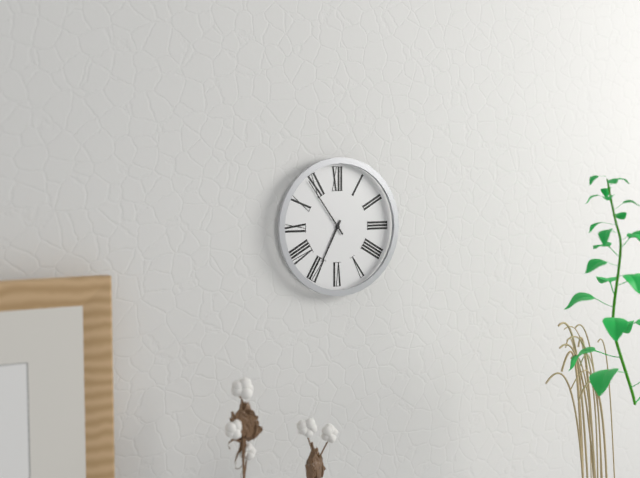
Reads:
h=6 m=54
